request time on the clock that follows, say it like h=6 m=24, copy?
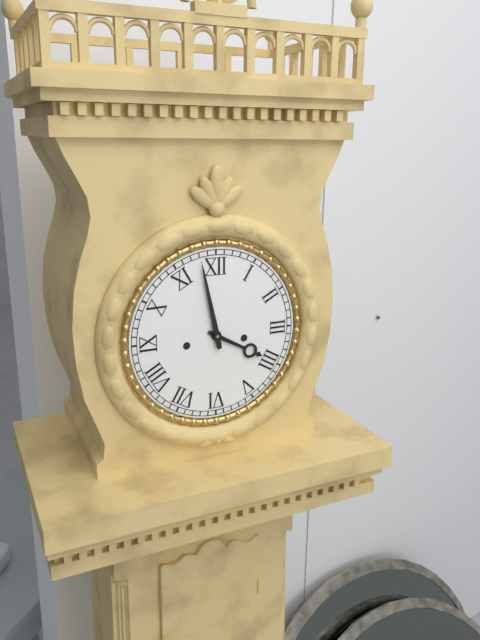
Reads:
h=3 m=58
